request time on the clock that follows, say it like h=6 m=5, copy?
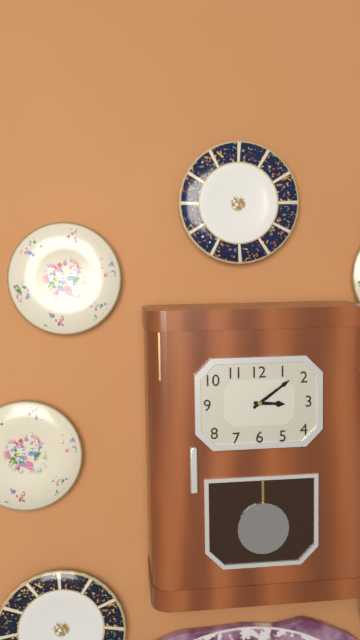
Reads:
h=3 m=9
